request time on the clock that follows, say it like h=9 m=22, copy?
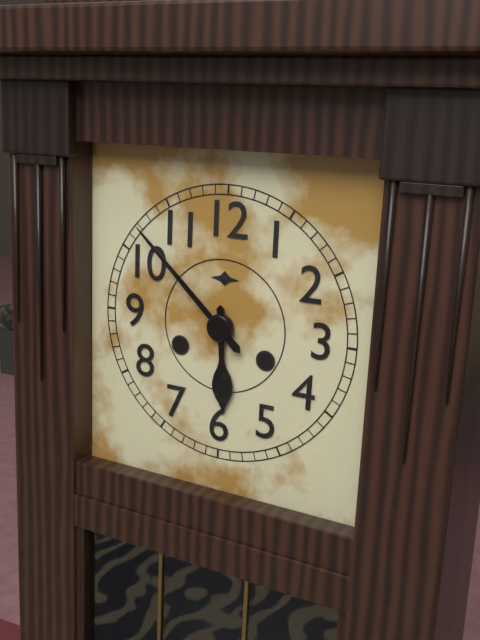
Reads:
h=5 m=52
